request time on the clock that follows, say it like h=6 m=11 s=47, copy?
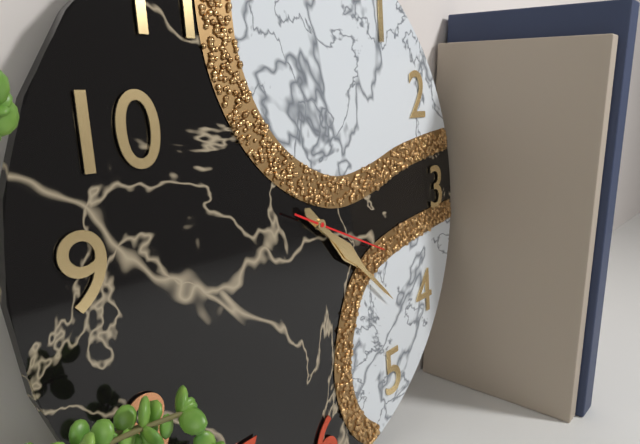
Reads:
h=4 m=22 s=19
